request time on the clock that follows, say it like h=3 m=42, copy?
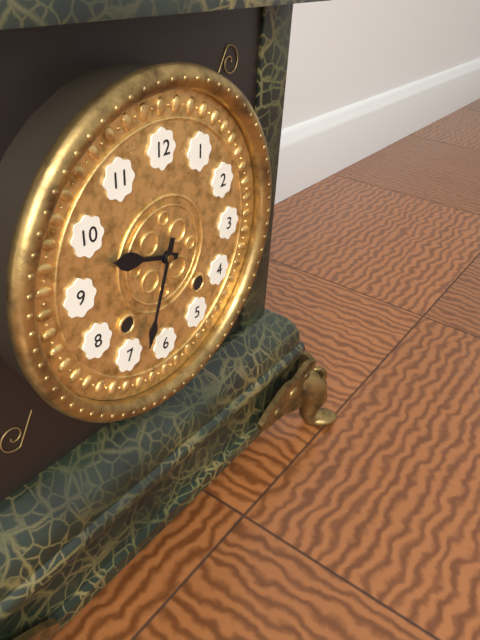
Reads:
h=9 m=33
